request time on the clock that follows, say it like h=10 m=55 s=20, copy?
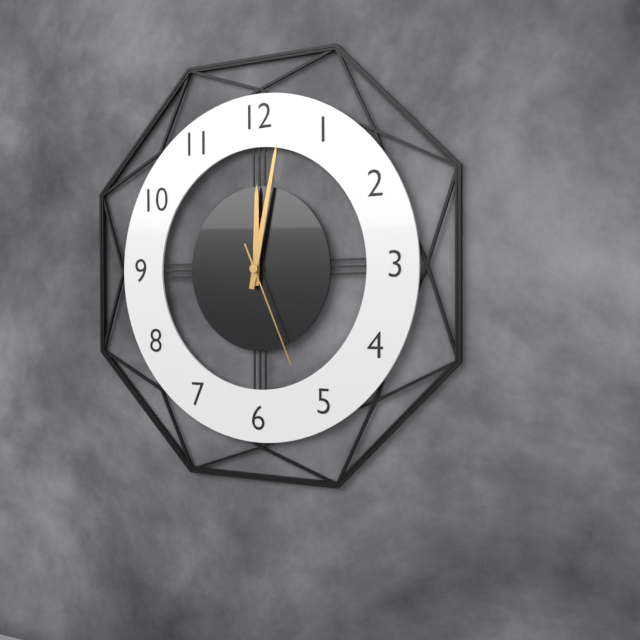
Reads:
h=12 m=2 s=26
